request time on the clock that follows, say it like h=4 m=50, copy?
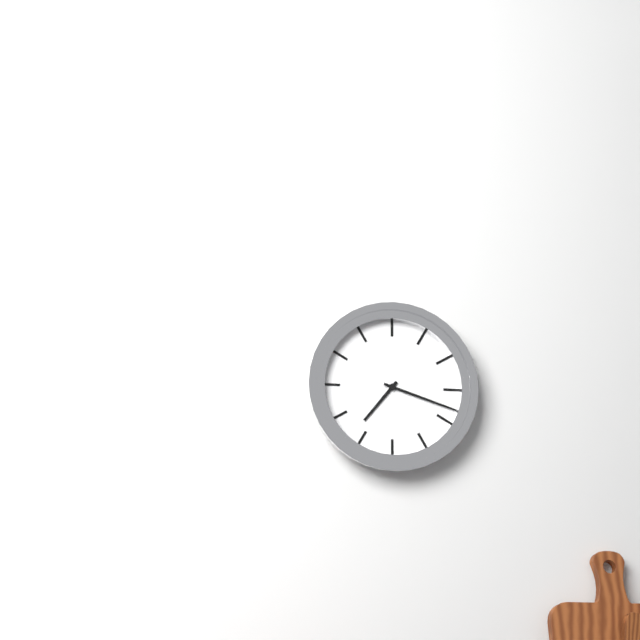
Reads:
h=7 m=18
